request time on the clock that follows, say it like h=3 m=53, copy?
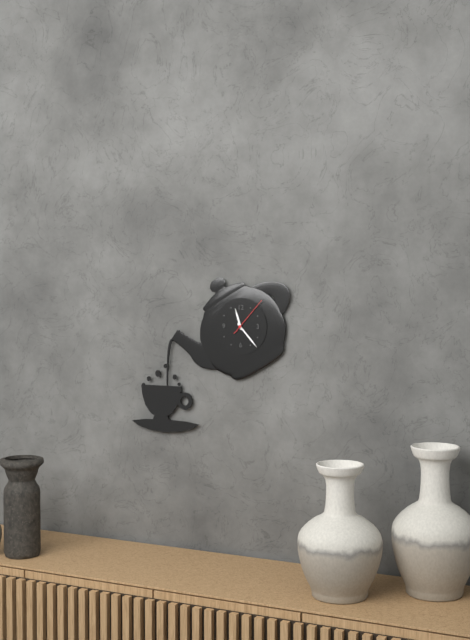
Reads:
h=11 m=23
